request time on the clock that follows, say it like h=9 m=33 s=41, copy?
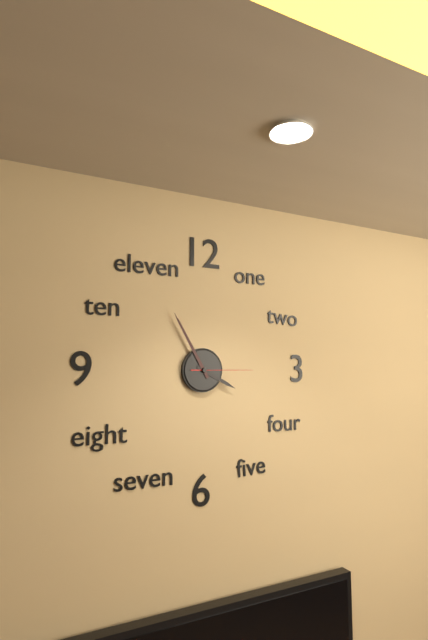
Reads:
h=3 m=55 s=15
